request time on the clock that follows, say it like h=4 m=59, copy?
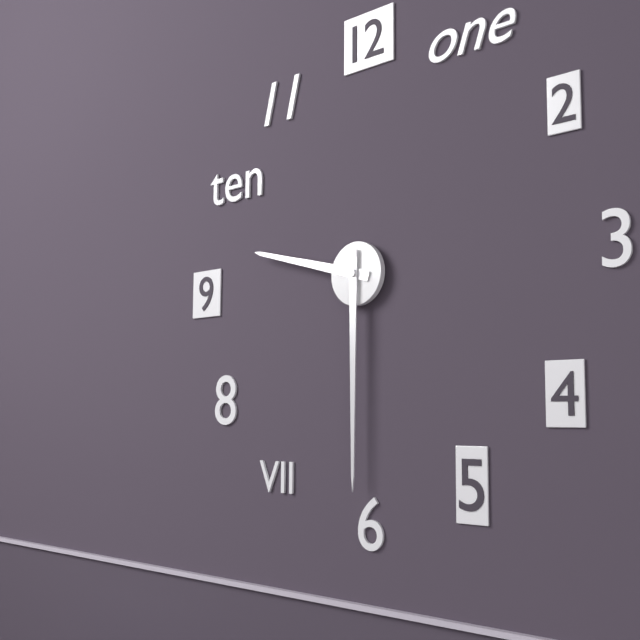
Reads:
h=9 m=30
